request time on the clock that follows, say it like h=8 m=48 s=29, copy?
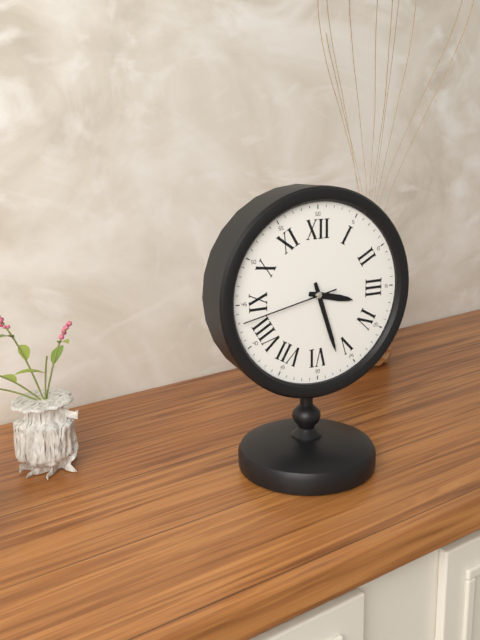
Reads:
h=3 m=27 s=43
